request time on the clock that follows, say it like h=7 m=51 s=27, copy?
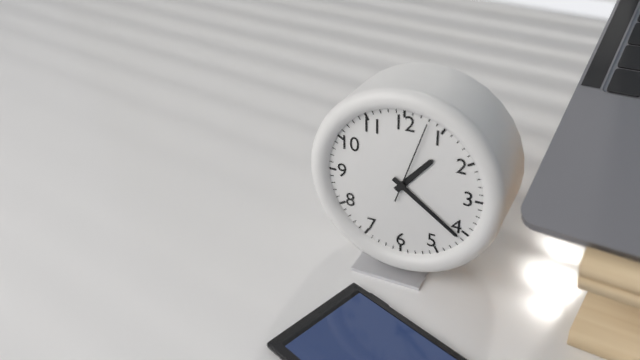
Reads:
h=1 m=21 s=3
